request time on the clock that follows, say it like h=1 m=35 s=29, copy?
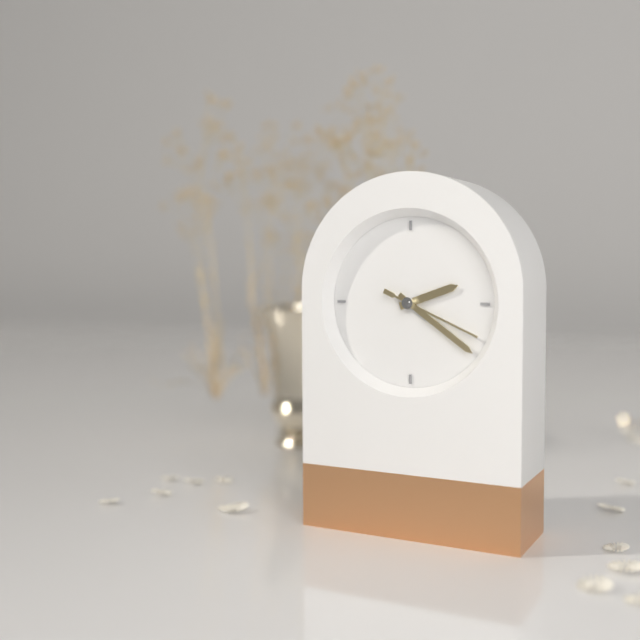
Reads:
h=2 m=21 s=19
